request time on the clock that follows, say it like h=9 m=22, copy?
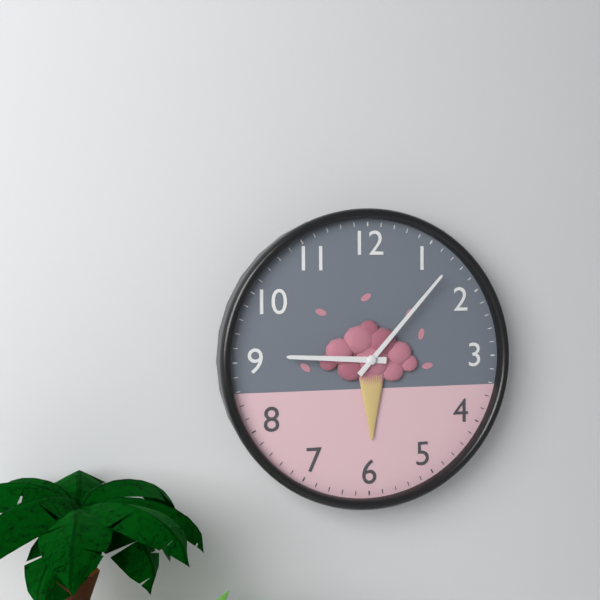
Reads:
h=9 m=7
